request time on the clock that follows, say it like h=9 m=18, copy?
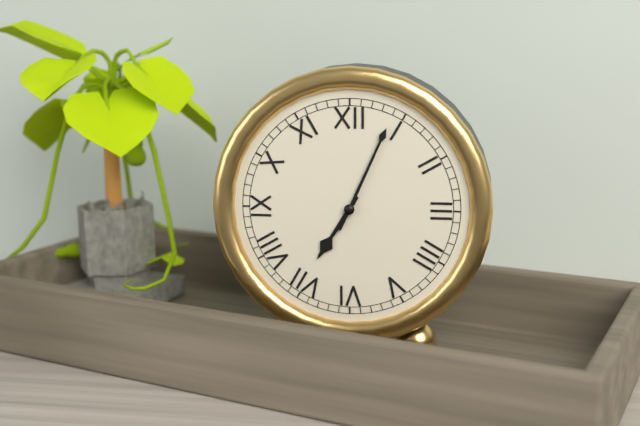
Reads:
h=7 m=4
